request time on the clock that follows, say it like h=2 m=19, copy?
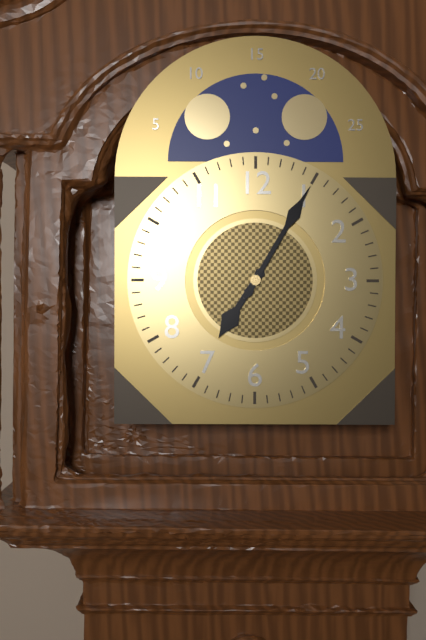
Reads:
h=7 m=5
